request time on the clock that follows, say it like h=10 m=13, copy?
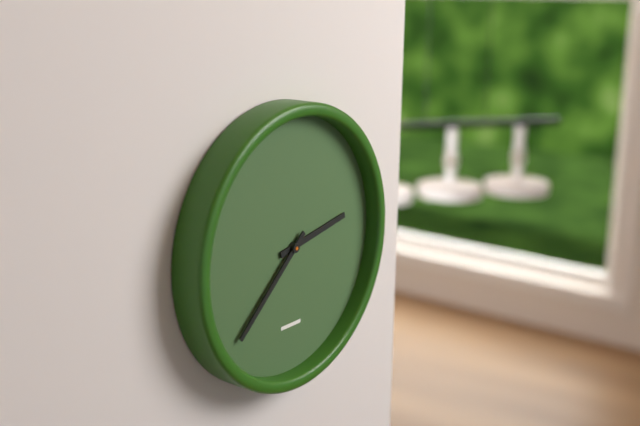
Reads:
h=2 m=38
